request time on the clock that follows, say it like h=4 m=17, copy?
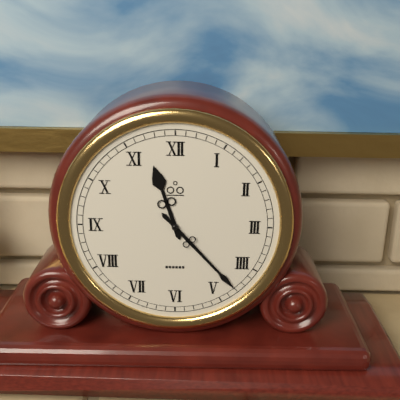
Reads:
h=11 m=23
